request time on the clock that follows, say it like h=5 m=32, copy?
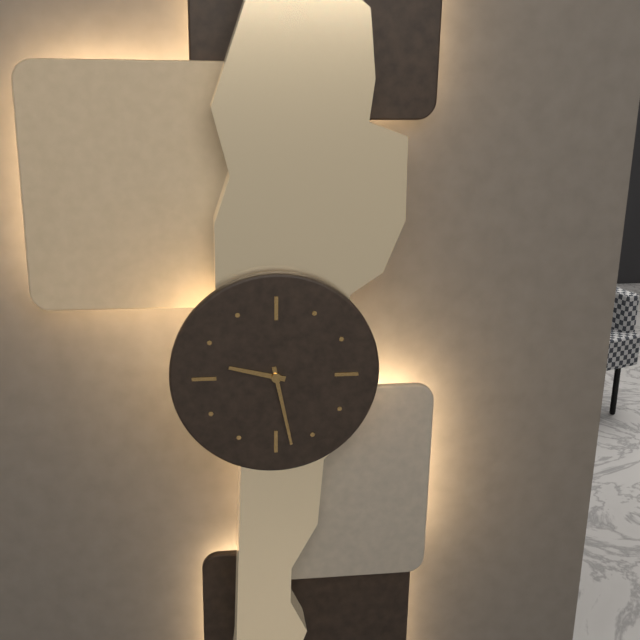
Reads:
h=9 m=28
